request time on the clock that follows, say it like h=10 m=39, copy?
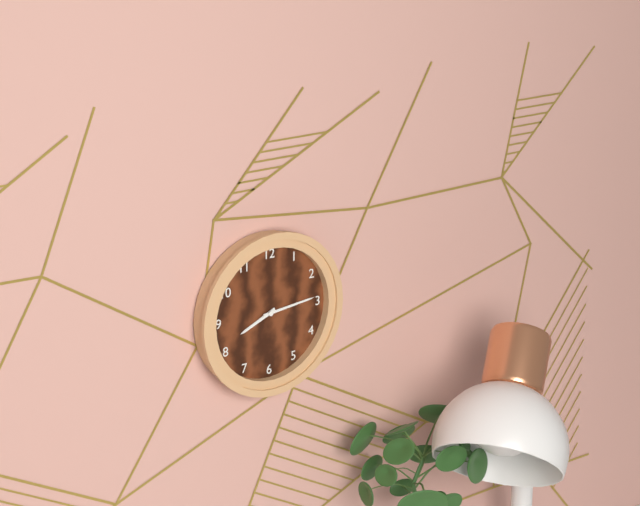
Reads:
h=8 m=14
